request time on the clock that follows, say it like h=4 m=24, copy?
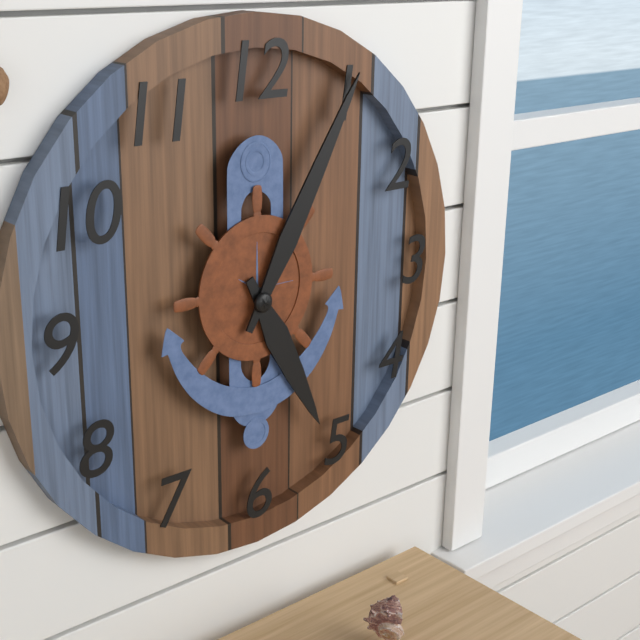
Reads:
h=5 m=5
